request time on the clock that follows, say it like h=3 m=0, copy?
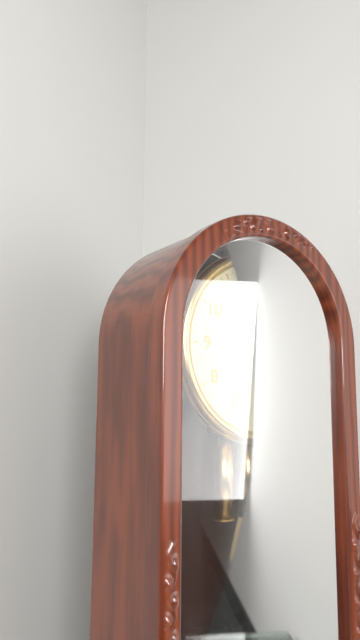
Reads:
h=5 m=25
